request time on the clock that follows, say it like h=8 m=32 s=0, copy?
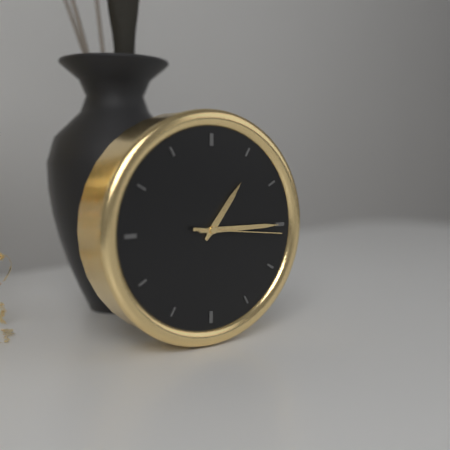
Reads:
h=1 m=15 s=16
